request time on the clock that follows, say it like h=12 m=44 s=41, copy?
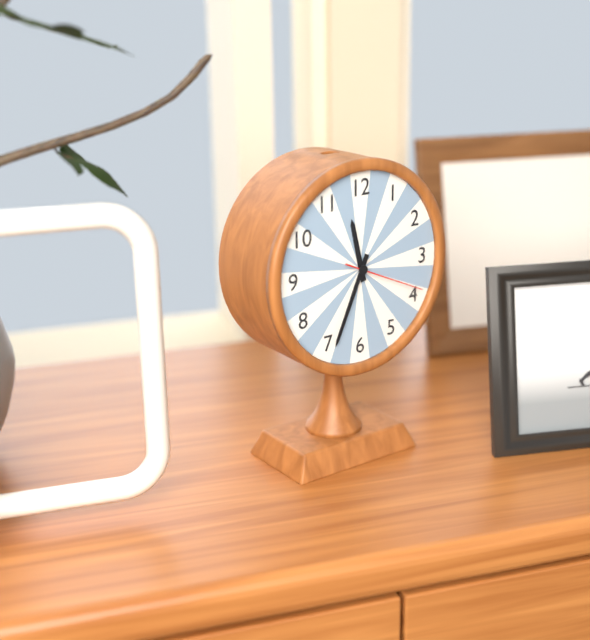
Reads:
h=11 m=34 s=19
